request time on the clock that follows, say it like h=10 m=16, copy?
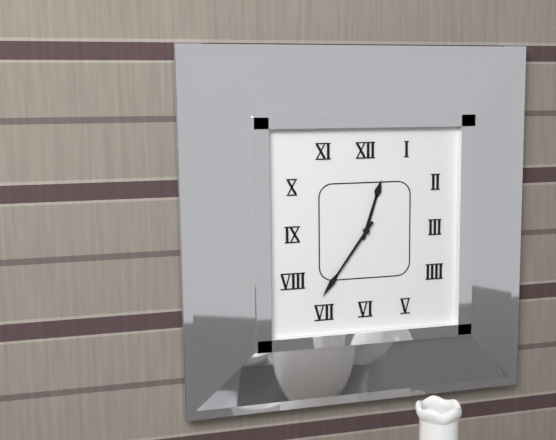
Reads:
h=12 m=36
